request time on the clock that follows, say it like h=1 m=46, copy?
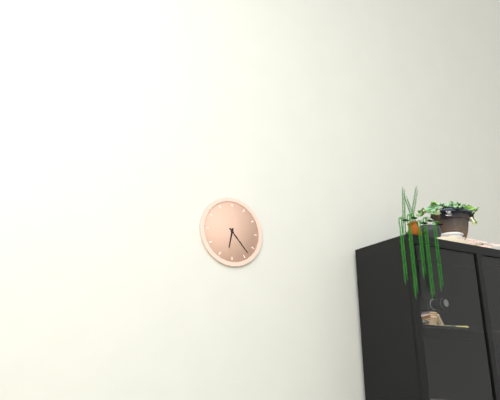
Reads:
h=6 m=23
